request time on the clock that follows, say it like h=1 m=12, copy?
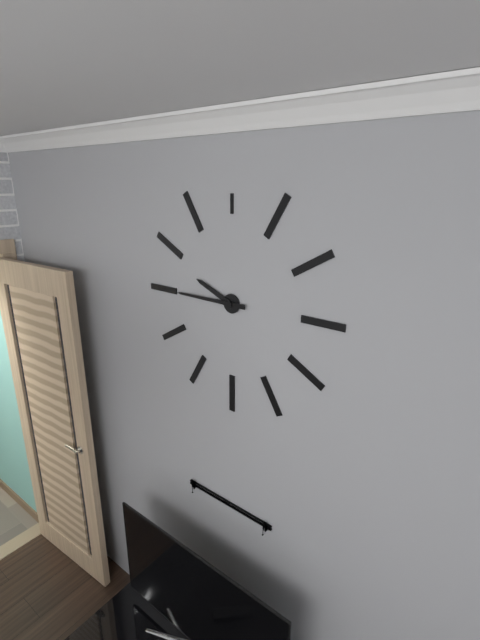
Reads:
h=9 m=45
